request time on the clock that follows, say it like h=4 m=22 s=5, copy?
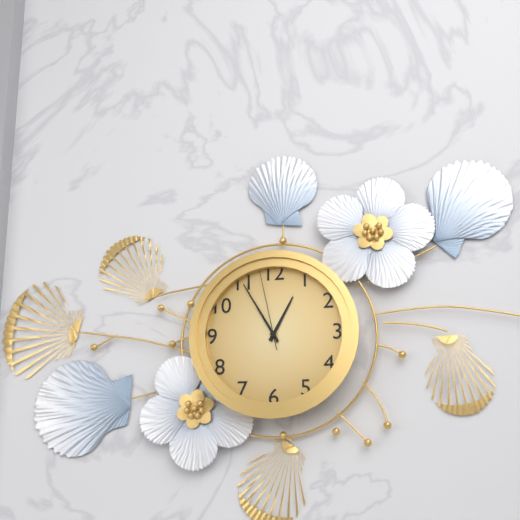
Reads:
h=12 m=55 s=58
